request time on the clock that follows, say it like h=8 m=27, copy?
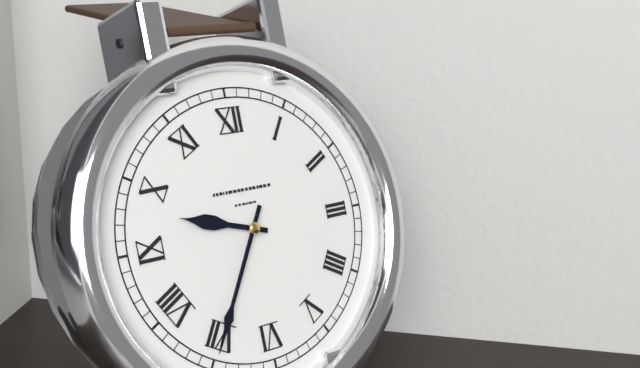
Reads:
h=9 m=35
